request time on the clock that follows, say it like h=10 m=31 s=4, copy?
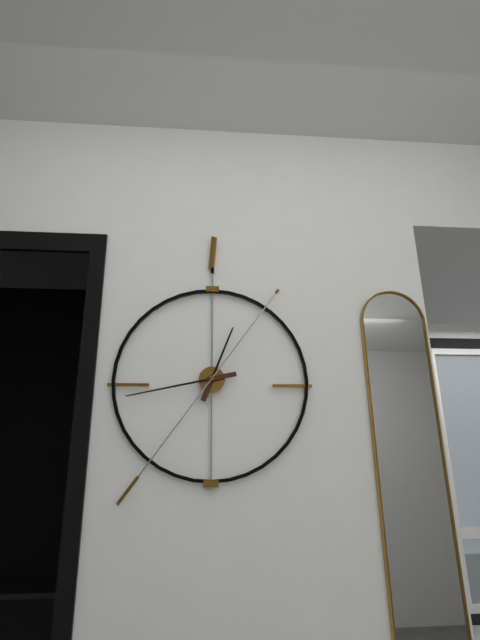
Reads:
h=12 m=43 s=36
